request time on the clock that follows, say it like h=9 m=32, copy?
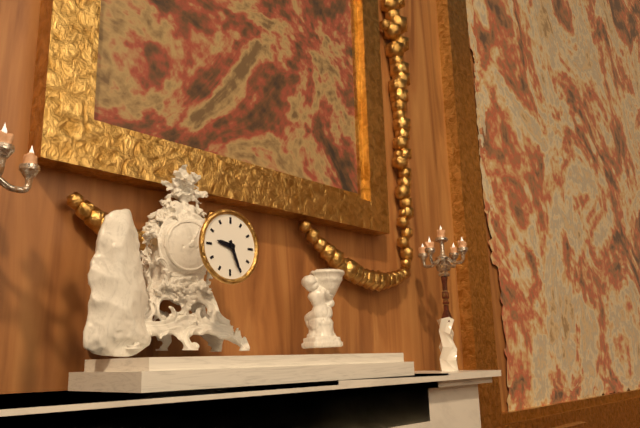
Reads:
h=9 m=26
